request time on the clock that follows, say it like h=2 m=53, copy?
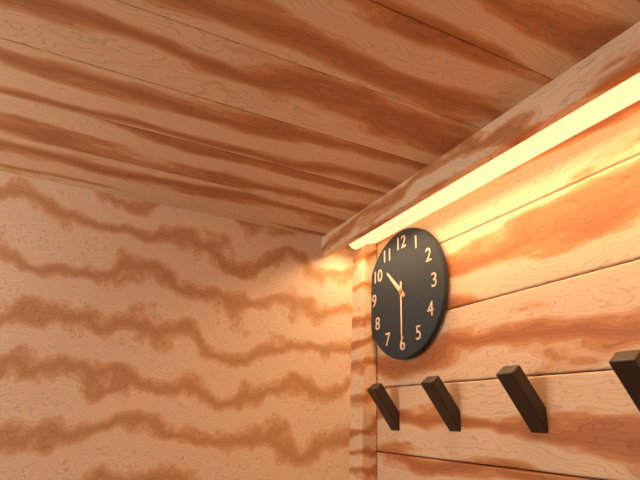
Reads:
h=10 m=30
